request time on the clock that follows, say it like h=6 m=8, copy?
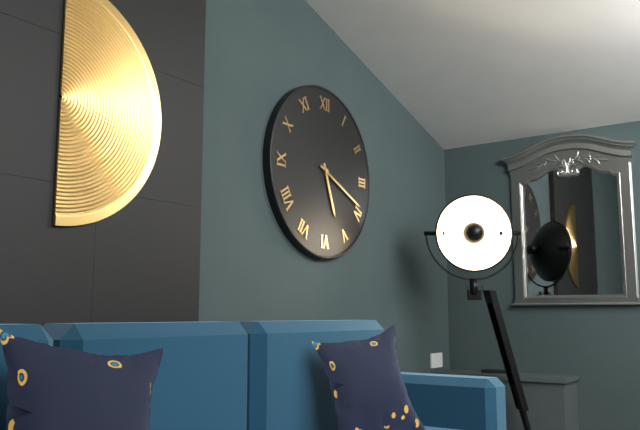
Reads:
h=5 m=19
